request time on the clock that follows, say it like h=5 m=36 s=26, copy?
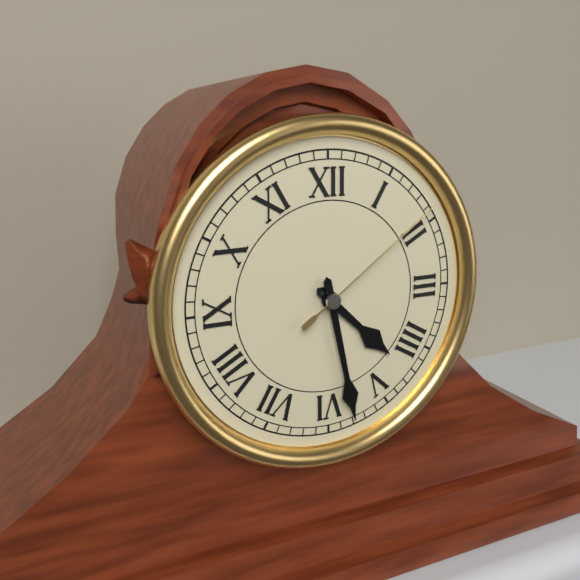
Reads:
h=4 m=28 s=9
